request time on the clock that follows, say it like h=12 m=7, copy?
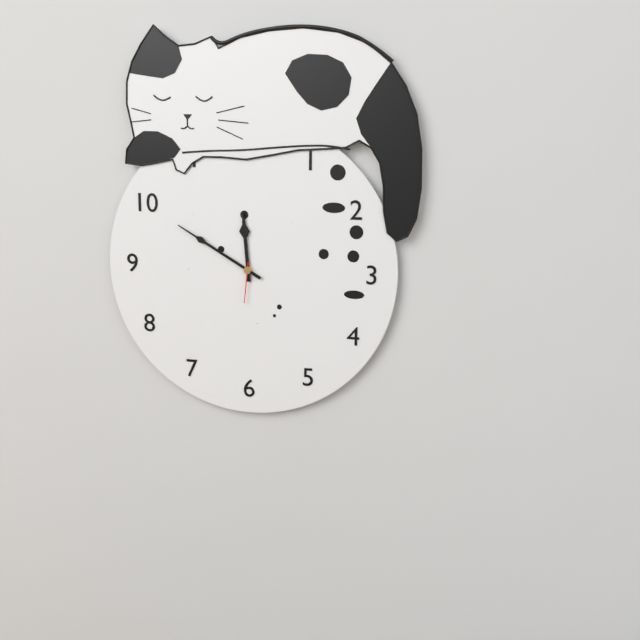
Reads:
h=11 m=50
